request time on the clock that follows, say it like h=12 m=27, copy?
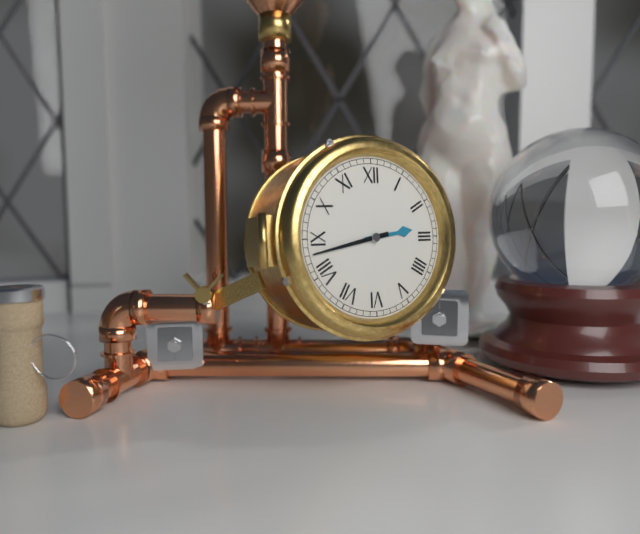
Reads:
h=2 m=43
